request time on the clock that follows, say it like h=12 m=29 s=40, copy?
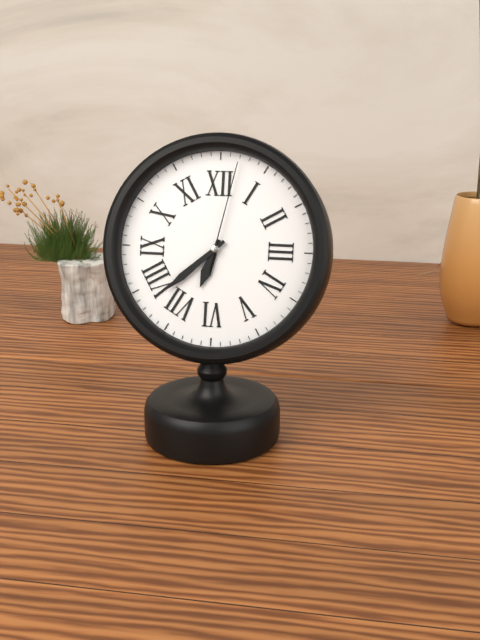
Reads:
h=6 m=38 s=2
